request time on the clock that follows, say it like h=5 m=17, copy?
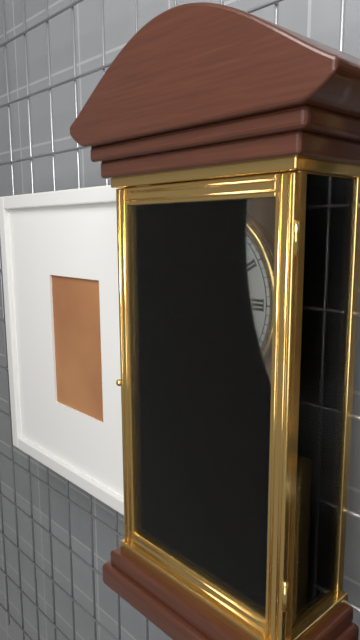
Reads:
h=7 m=3
